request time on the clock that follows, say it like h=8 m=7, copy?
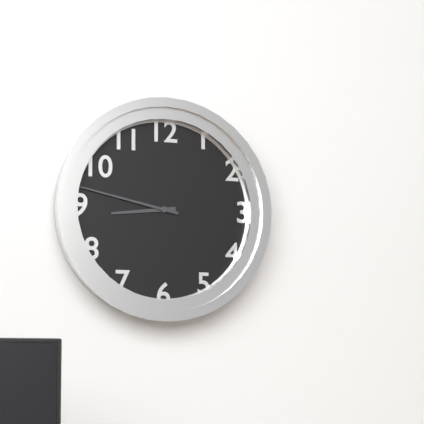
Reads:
h=8 m=47
